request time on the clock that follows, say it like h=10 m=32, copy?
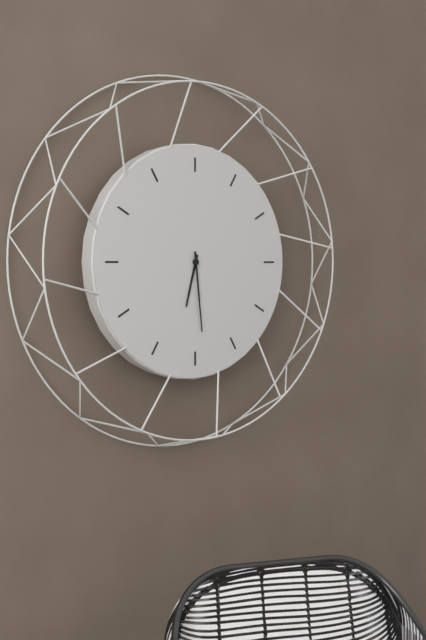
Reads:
h=6 m=29
